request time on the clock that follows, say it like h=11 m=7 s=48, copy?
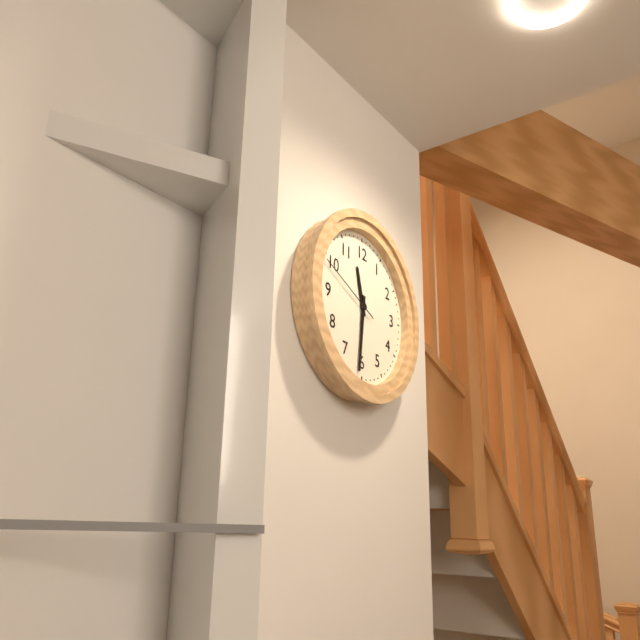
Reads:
h=11 m=31 s=49
